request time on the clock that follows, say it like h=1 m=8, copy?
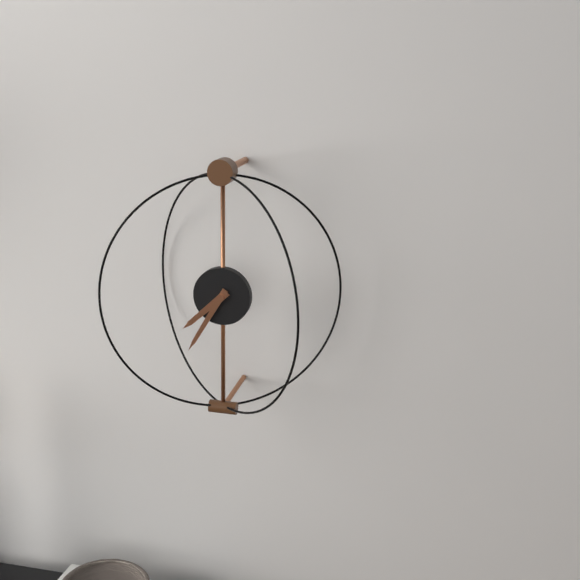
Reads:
h=7 m=35
